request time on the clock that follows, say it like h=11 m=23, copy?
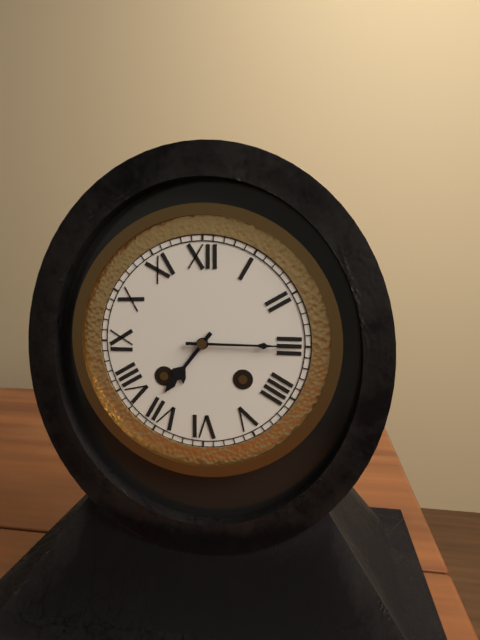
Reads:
h=7 m=15
